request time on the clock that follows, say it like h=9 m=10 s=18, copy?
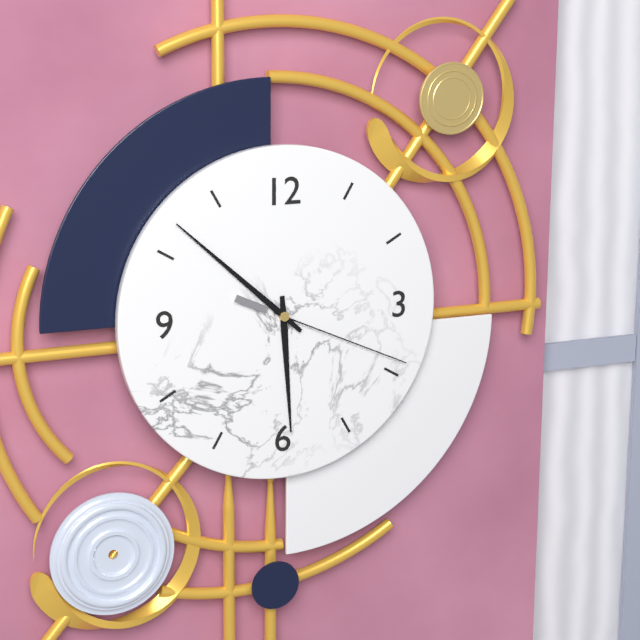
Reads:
h=5 m=52 s=19
